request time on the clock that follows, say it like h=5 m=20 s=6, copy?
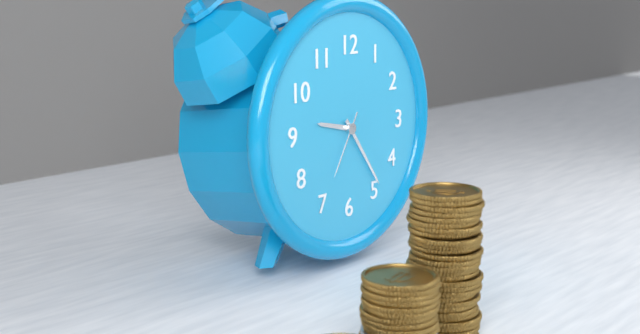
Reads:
h=9 m=24 s=35
